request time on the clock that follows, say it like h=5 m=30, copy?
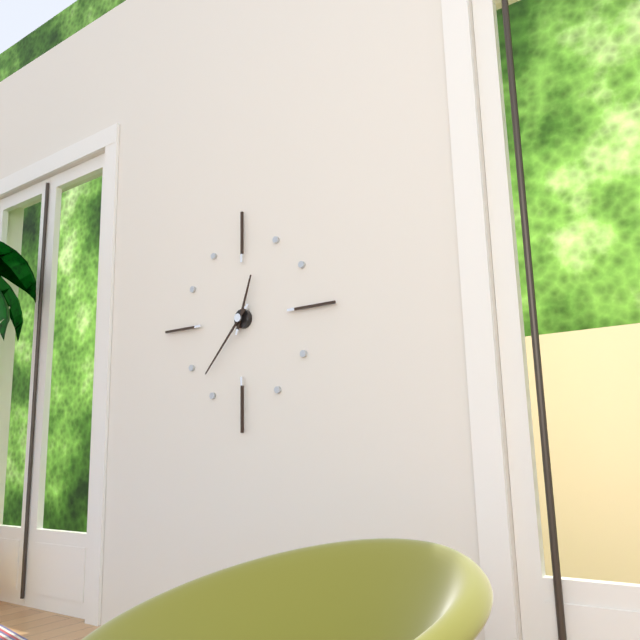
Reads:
h=12 m=37
